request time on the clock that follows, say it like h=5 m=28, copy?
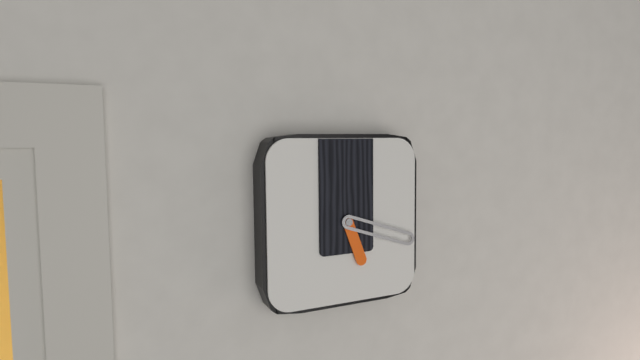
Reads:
h=5 m=18
